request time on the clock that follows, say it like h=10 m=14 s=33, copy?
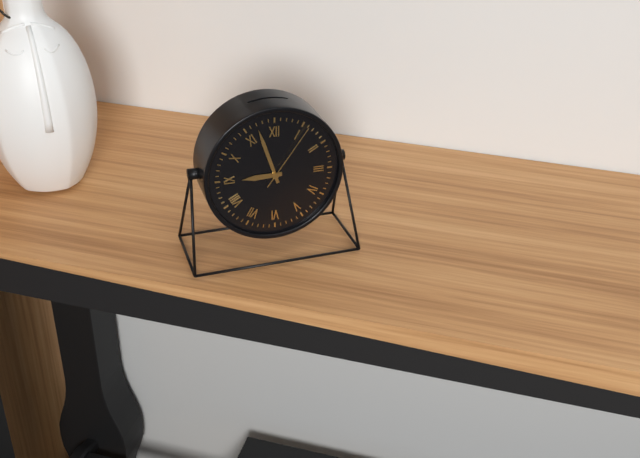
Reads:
h=8 m=57 s=6
